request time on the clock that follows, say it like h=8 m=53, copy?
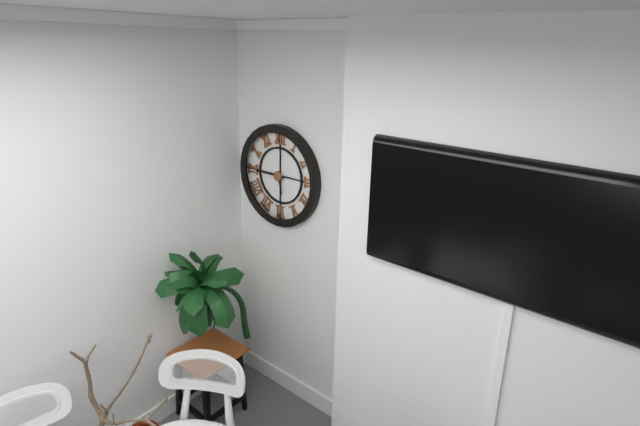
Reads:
h=5 m=45
